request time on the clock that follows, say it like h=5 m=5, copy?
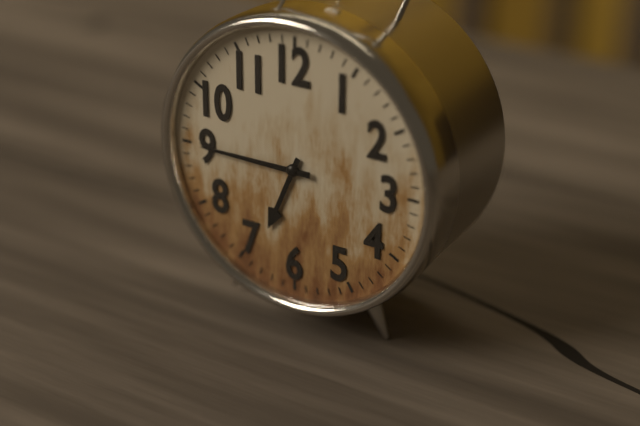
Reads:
h=6 m=45
